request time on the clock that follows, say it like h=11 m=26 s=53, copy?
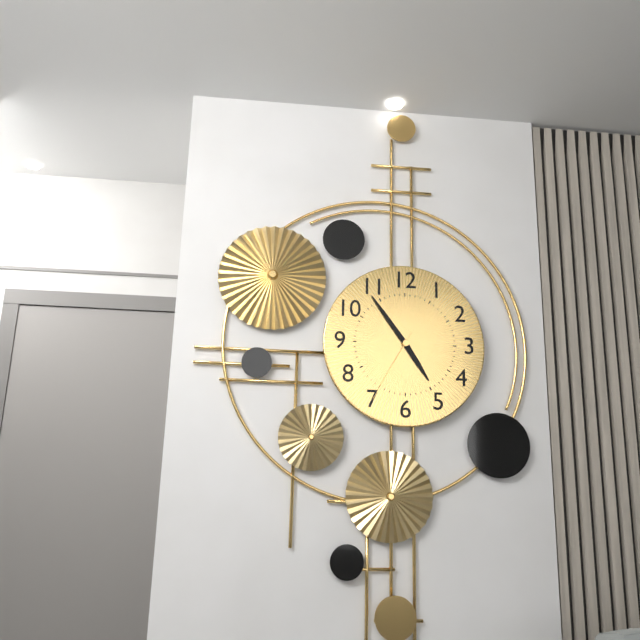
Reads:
h=4 m=54 s=35
